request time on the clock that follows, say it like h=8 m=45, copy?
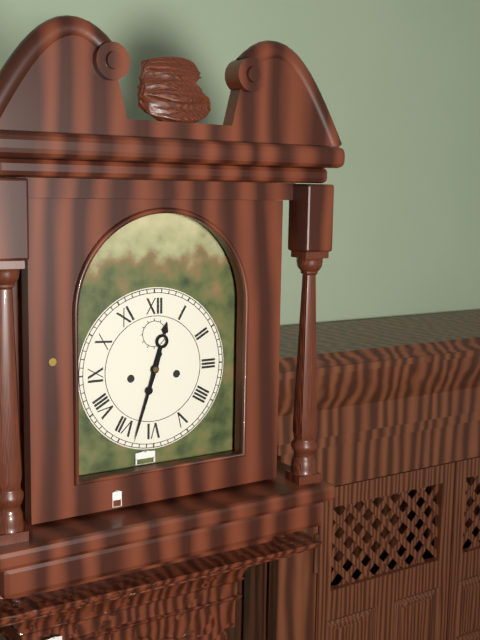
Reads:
h=12 m=33
